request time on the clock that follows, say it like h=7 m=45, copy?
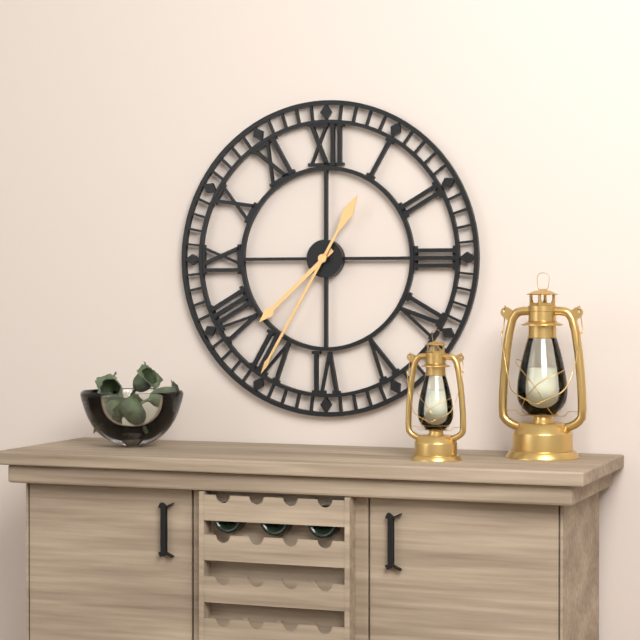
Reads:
h=7 m=35
